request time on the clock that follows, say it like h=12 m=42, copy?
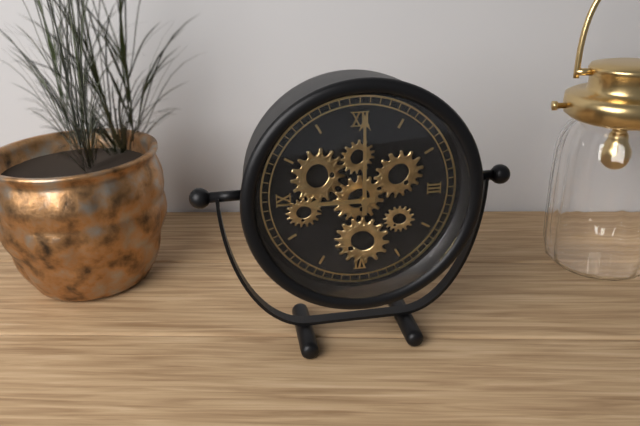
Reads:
h=9 m=0
